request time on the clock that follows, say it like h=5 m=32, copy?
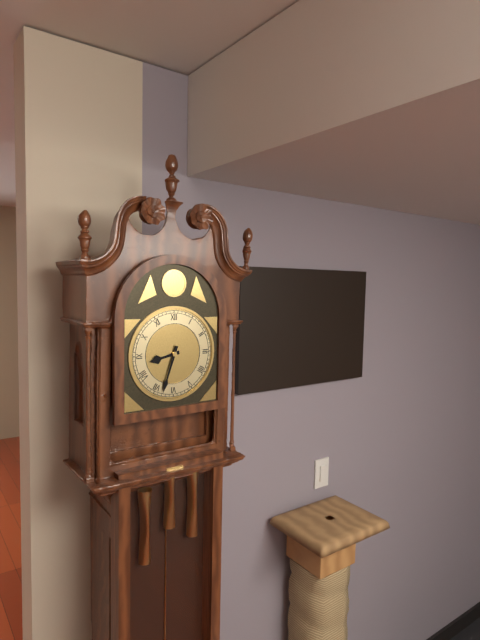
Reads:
h=8 m=33
